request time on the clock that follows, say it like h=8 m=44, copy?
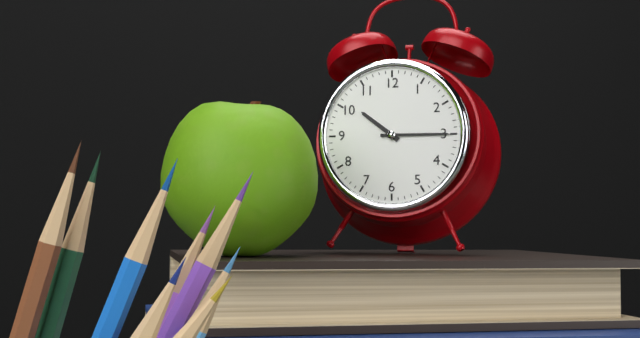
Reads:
h=10 m=15
